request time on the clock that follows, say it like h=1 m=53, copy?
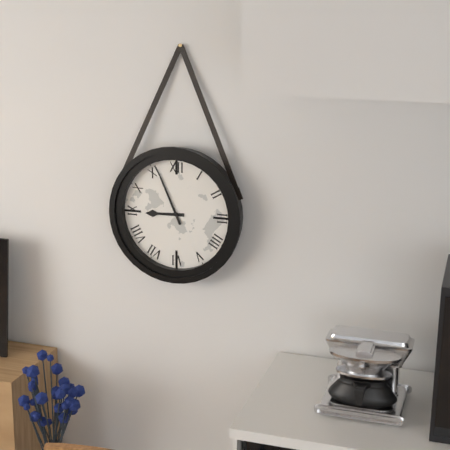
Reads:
h=8 m=56
